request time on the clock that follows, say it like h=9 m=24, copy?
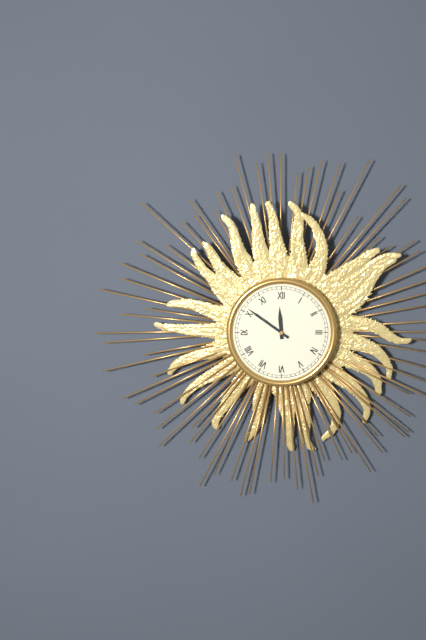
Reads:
h=11 m=51
